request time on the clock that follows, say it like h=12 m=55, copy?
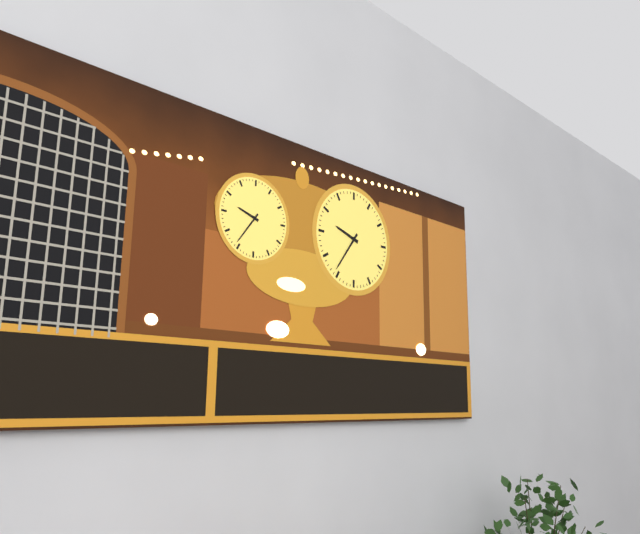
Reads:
h=9 m=36
